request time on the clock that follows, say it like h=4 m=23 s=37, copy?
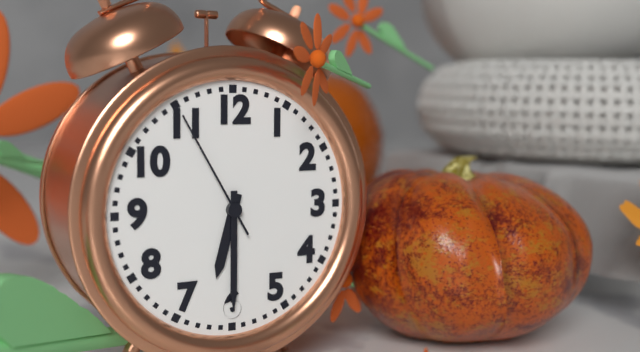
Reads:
h=6 m=30 s=55
